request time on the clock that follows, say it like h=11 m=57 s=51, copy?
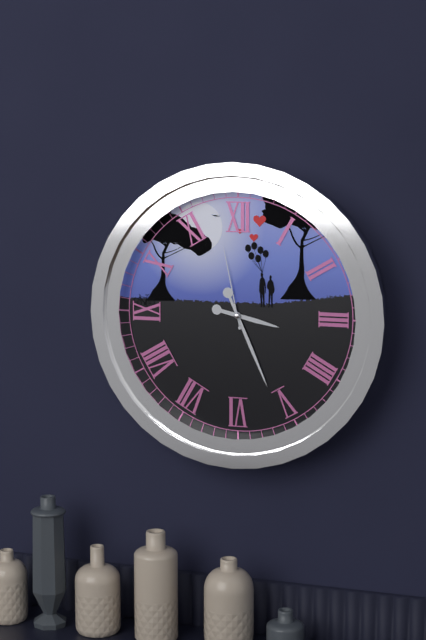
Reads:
h=3 m=26 s=58
